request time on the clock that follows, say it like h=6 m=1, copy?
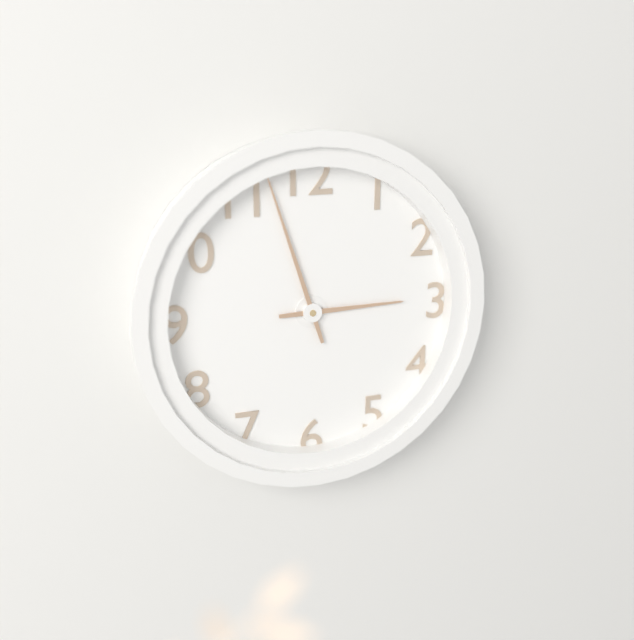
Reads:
h=2 m=57
